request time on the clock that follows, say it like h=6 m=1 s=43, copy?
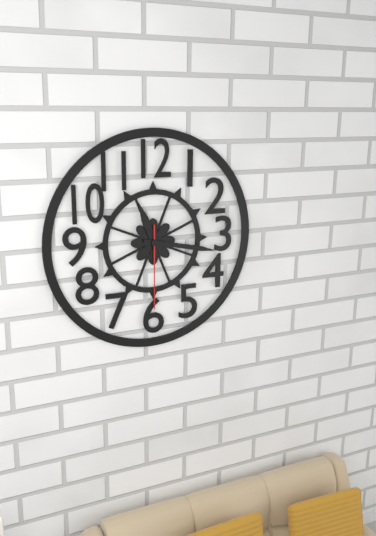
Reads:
h=11 m=17 s=30
